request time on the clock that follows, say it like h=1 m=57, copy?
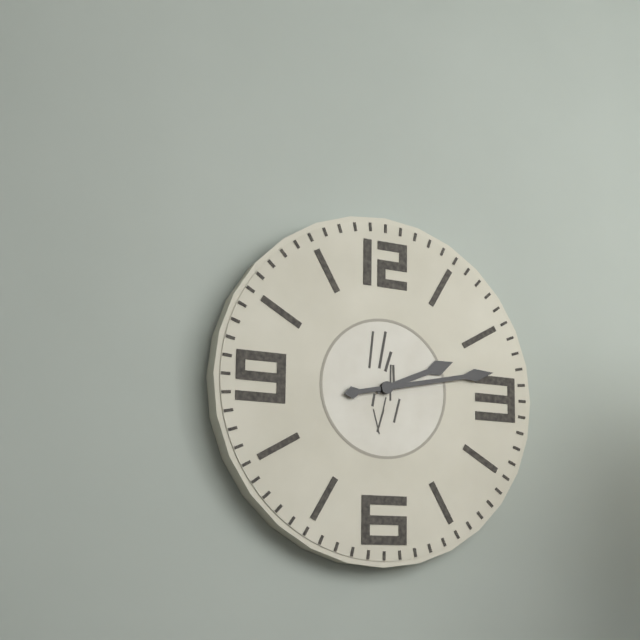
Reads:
h=2 m=13
